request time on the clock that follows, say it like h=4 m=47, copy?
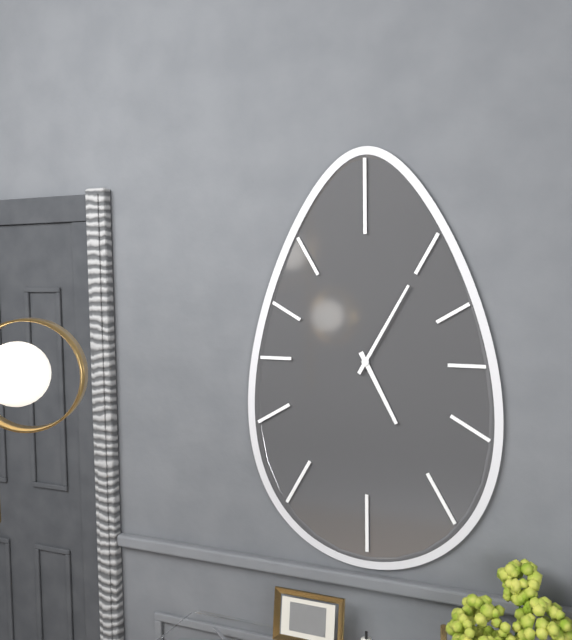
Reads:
h=5 m=5
